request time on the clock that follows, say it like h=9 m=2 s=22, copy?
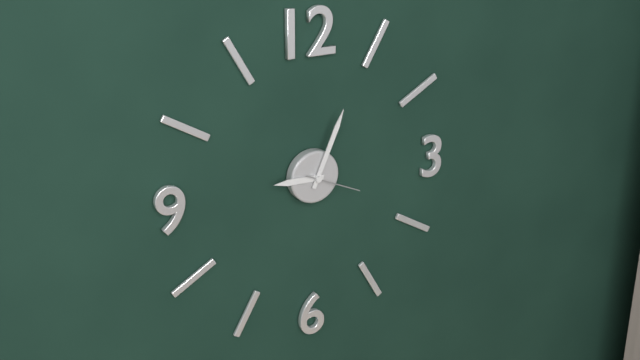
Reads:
h=9 m=4 s=19
